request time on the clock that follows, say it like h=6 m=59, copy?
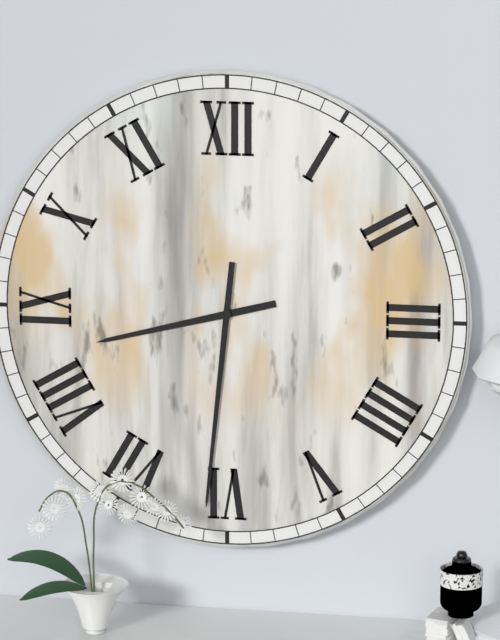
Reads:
h=8 m=31
